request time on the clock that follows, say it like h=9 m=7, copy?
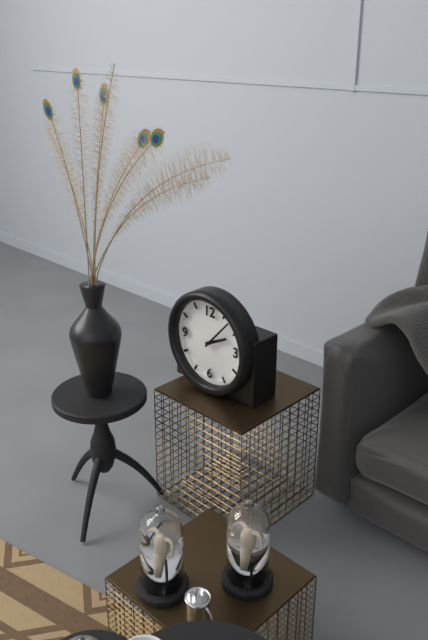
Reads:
h=2 m=7
